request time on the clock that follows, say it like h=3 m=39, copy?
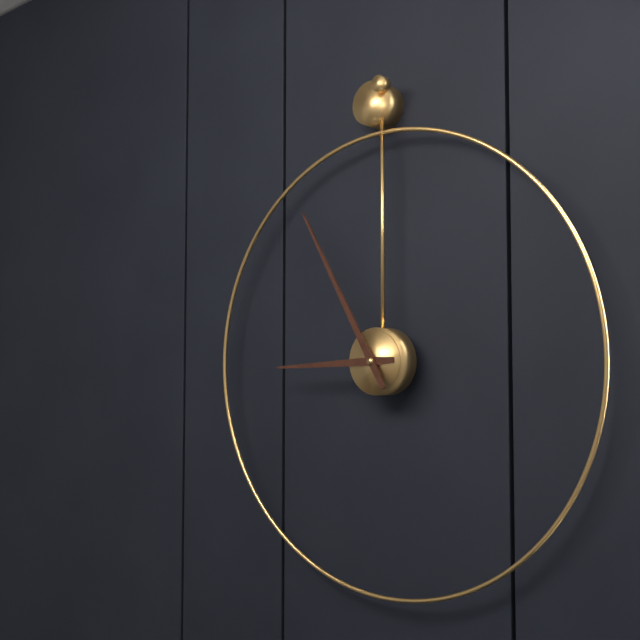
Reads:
h=8 m=55
